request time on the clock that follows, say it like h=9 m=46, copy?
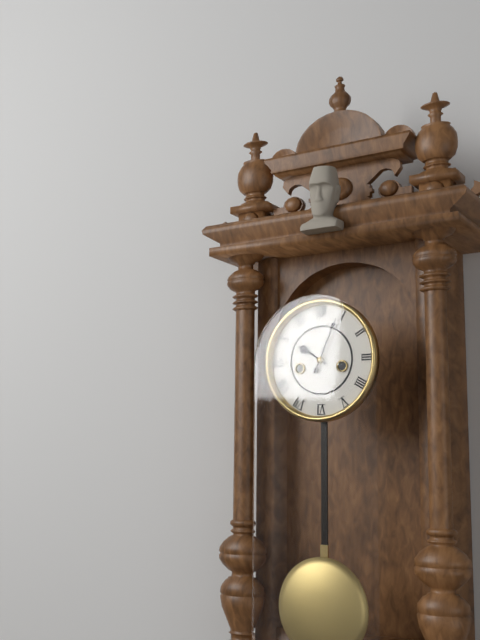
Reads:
h=10 m=4
